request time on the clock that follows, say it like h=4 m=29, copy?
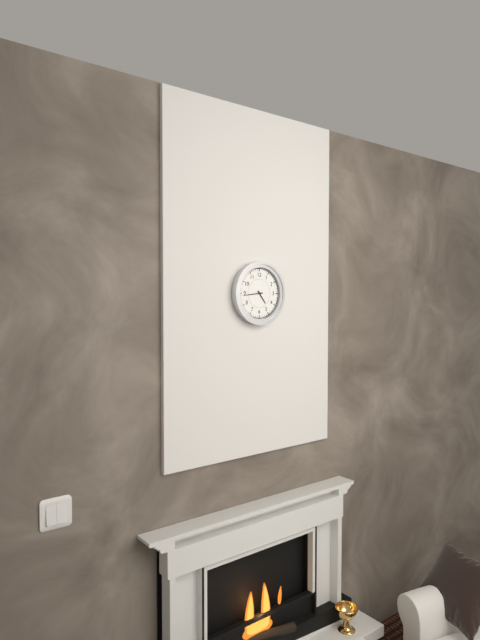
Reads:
h=4 m=44
